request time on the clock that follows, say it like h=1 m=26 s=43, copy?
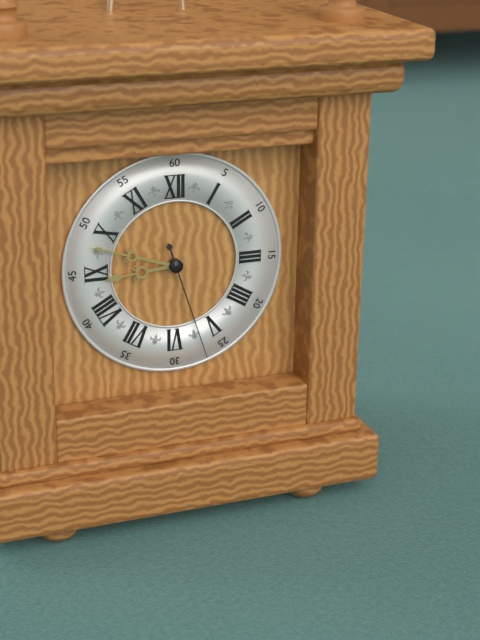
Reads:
h=8 m=48 s=27
